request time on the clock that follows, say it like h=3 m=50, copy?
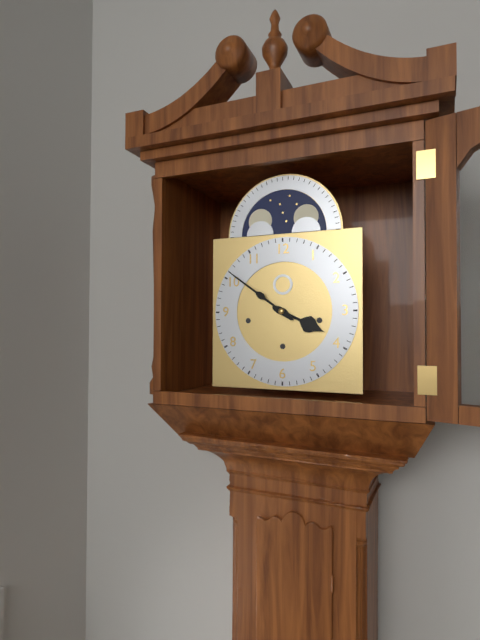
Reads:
h=3 m=51
